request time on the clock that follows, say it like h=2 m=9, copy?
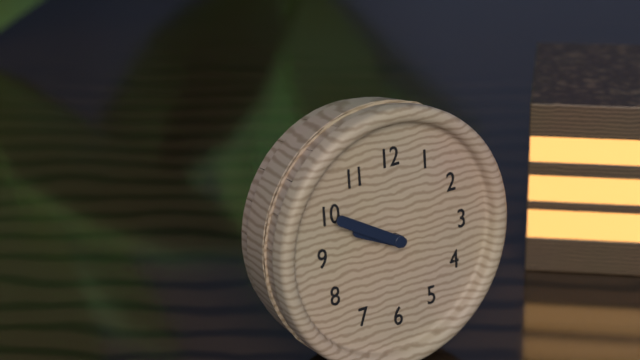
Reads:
h=9 m=50
